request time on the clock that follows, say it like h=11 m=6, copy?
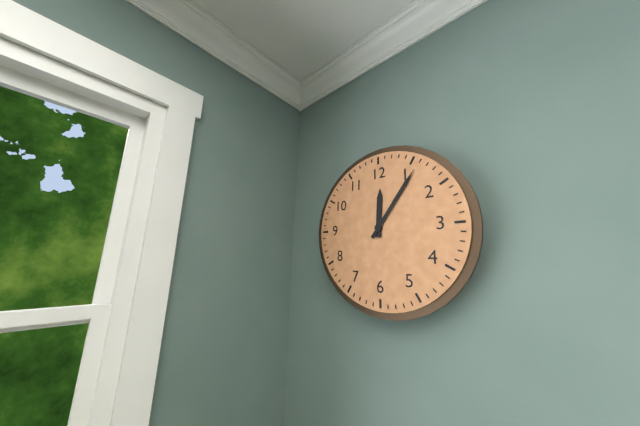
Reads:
h=12 m=6
